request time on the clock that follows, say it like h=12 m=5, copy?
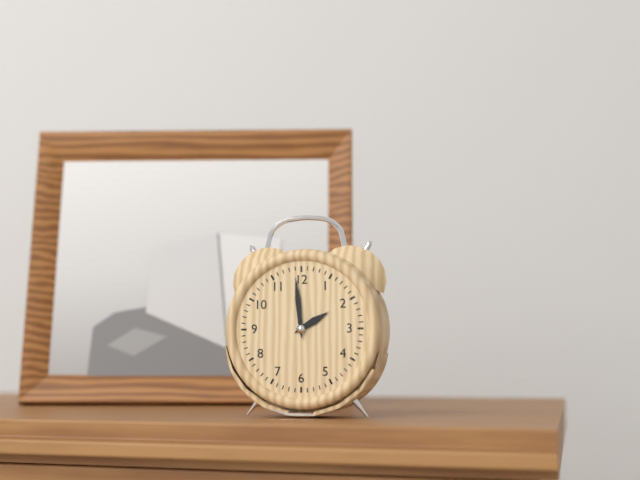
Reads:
h=1 m=59
